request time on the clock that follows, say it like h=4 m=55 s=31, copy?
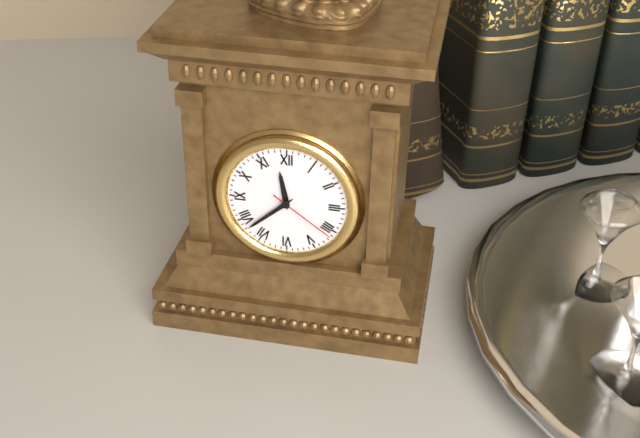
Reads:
h=11 m=38 s=21
